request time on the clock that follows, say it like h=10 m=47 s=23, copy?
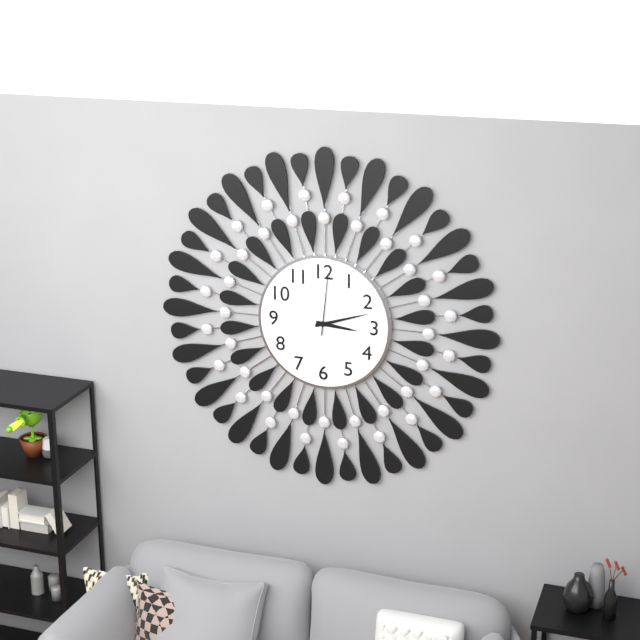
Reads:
h=3 m=12 s=1
